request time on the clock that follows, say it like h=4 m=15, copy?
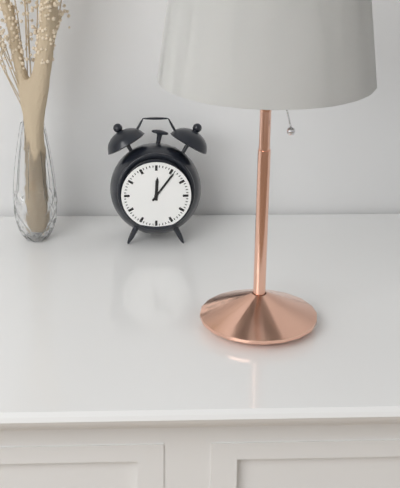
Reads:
h=12 m=6
